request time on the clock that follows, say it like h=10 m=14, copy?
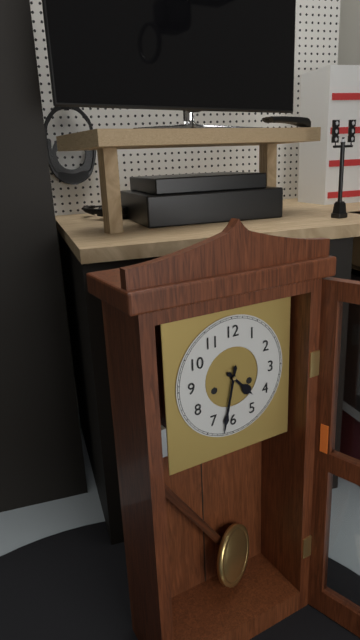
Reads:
h=4 m=32
